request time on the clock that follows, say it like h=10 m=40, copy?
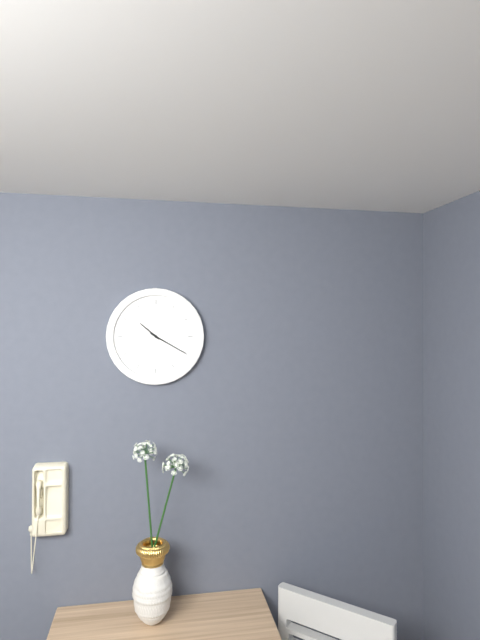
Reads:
h=10 m=20
